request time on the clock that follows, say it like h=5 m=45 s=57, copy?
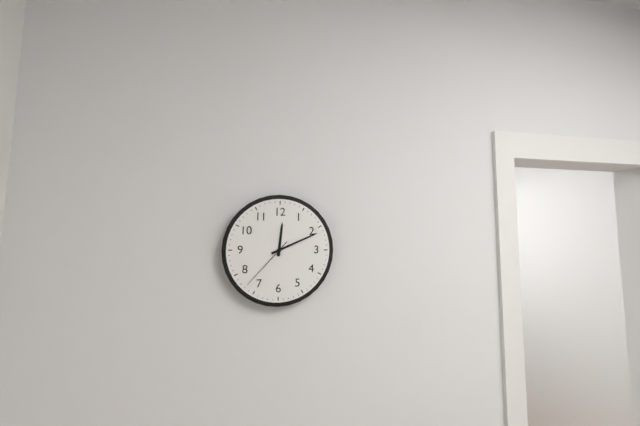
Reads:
h=12 m=11 s=37
